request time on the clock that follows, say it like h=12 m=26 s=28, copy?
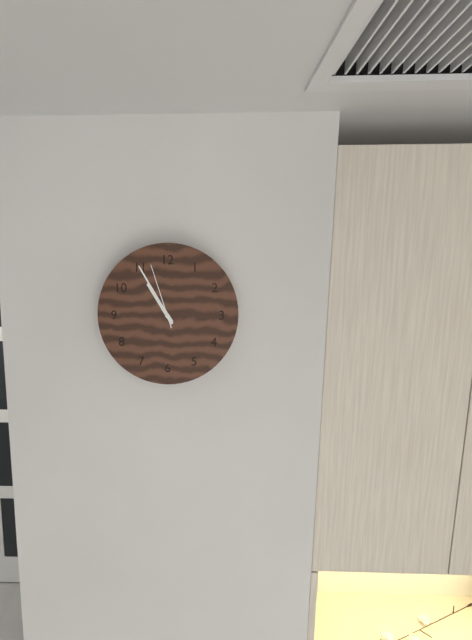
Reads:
h=10 m=55 s=57
